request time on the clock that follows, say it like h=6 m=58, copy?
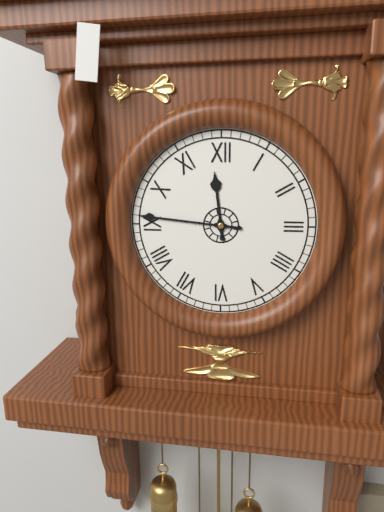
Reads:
h=11 m=46
